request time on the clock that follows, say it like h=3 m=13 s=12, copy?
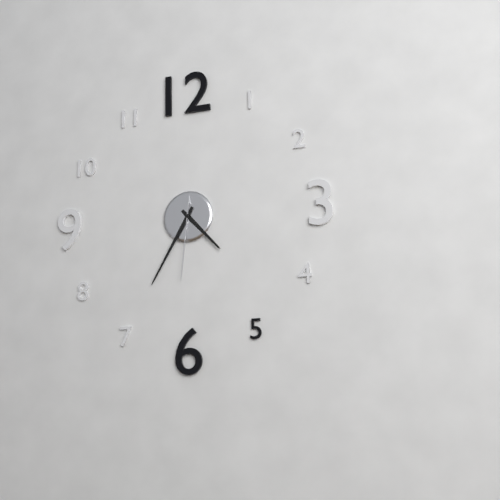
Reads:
h=4 m=35 s=31
